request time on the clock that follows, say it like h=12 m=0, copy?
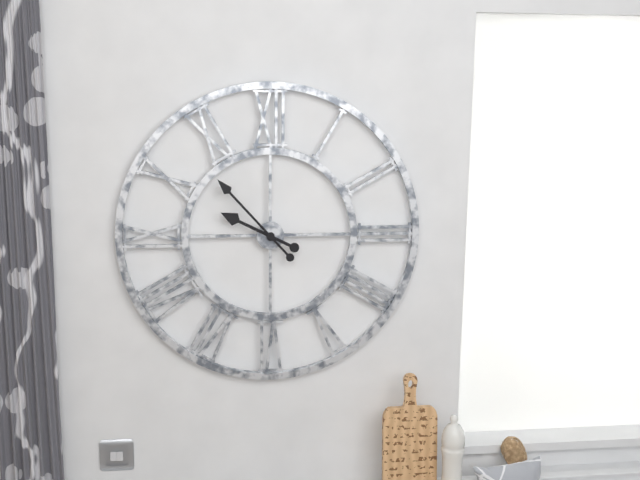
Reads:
h=9 m=53
